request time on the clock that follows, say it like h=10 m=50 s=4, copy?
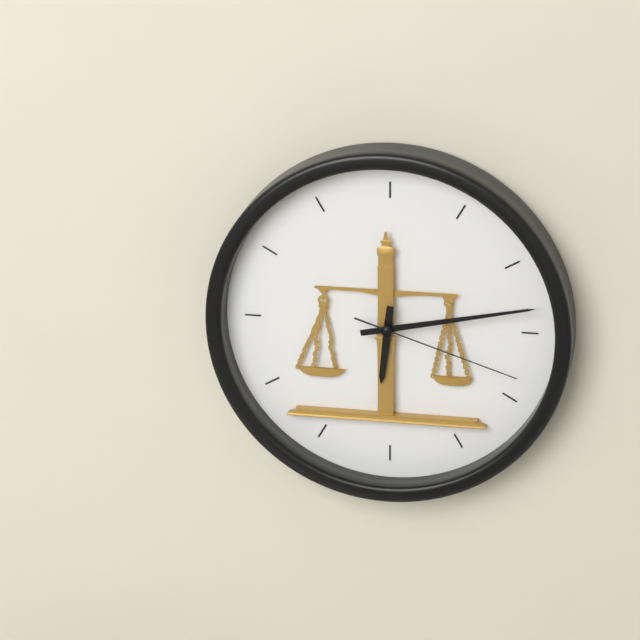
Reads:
h=6 m=13 s=18
